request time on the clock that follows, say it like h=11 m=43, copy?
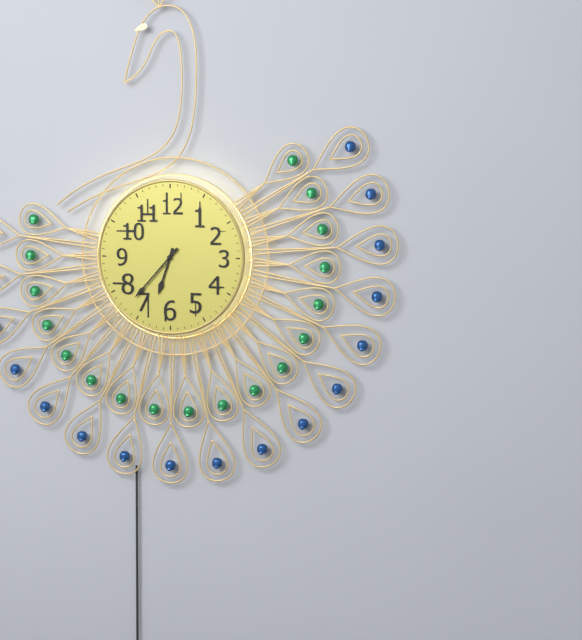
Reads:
h=6 m=37
